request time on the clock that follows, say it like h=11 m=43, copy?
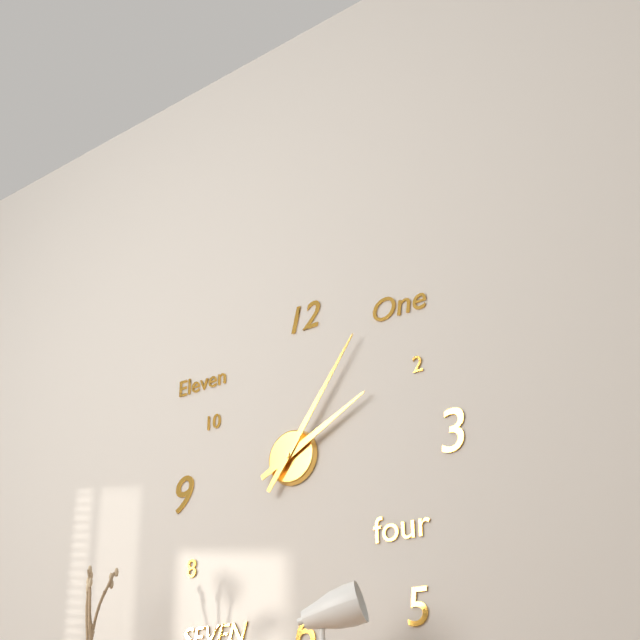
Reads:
h=2 m=6
